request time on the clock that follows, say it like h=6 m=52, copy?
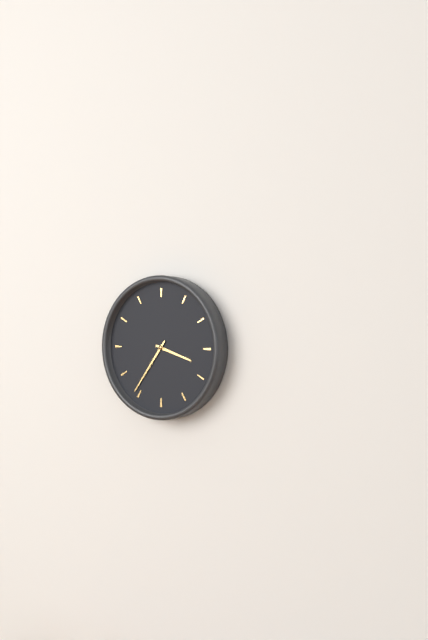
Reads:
h=3 m=36
